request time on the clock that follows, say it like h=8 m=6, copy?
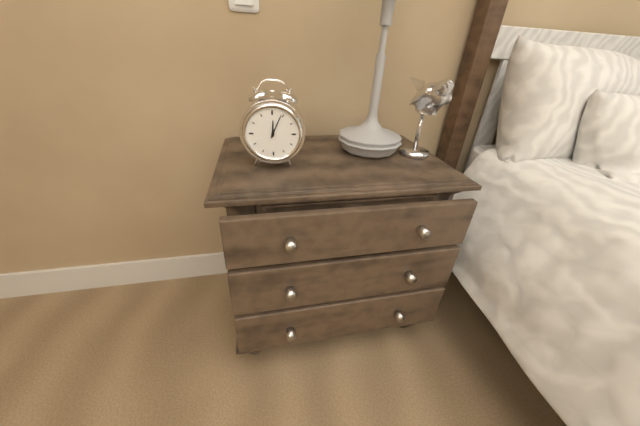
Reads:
h=12 m=4
